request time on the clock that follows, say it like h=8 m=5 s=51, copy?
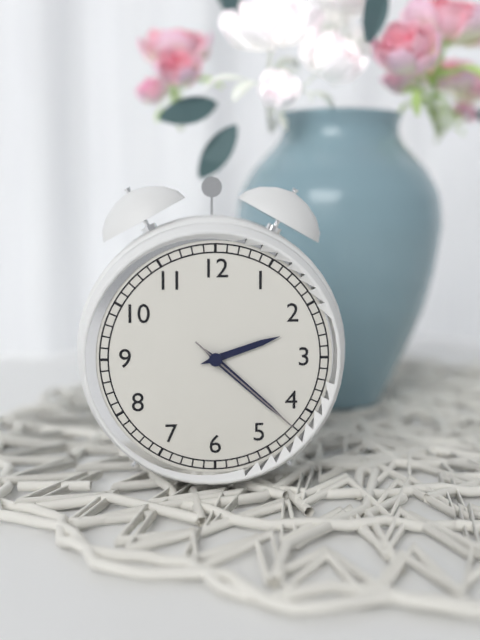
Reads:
h=2 m=22 s=22
